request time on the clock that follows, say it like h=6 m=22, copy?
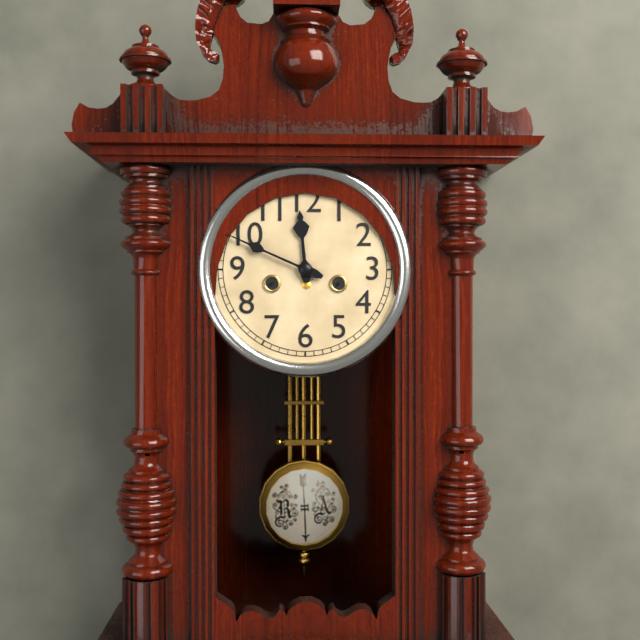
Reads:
h=11 m=49
